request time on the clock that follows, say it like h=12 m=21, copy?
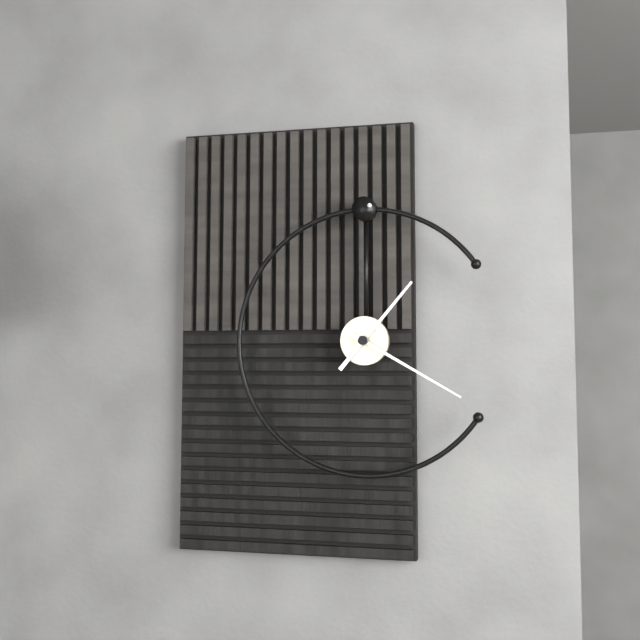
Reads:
h=1 m=20
